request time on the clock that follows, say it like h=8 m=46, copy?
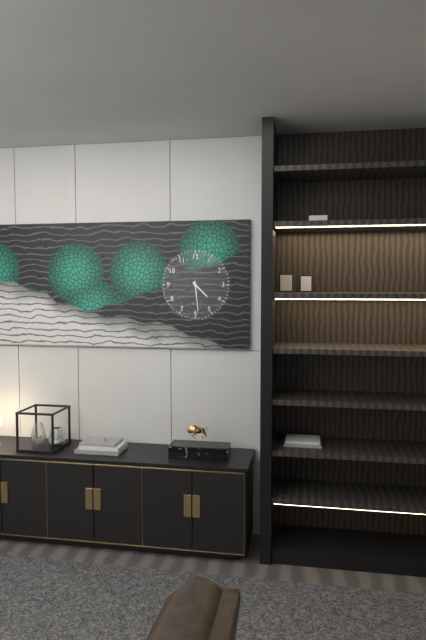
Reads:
h=4 m=29
